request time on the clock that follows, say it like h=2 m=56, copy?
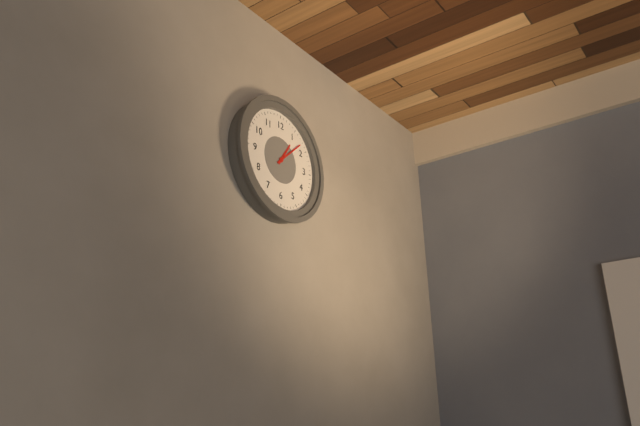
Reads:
h=1 m=8
